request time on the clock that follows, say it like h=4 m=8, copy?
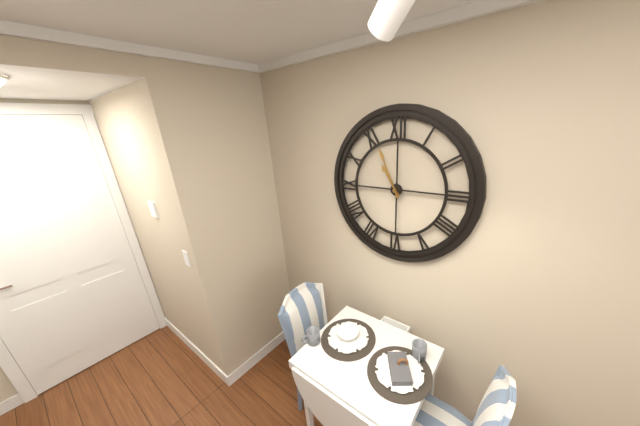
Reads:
h=10 m=56
